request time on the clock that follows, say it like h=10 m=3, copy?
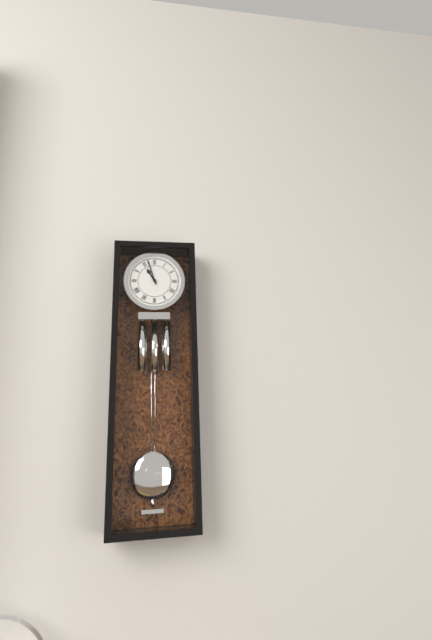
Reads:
h=10 m=57
